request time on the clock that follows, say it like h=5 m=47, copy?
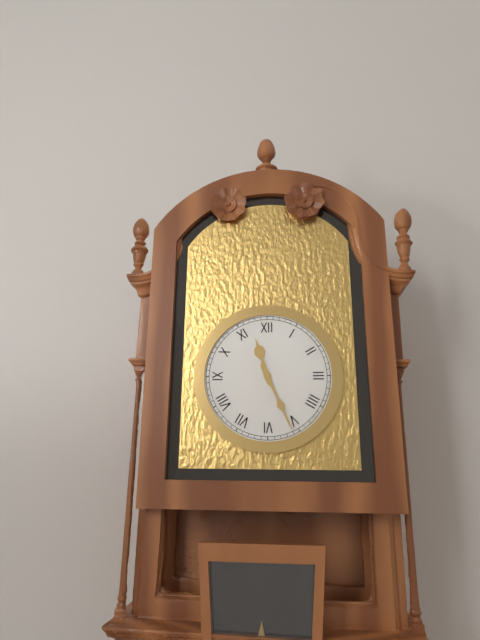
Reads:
h=11 m=26
